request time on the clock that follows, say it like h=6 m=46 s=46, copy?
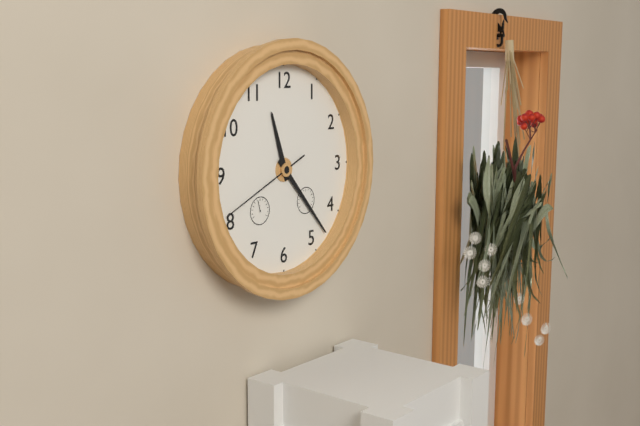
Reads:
h=11 m=23 s=41
